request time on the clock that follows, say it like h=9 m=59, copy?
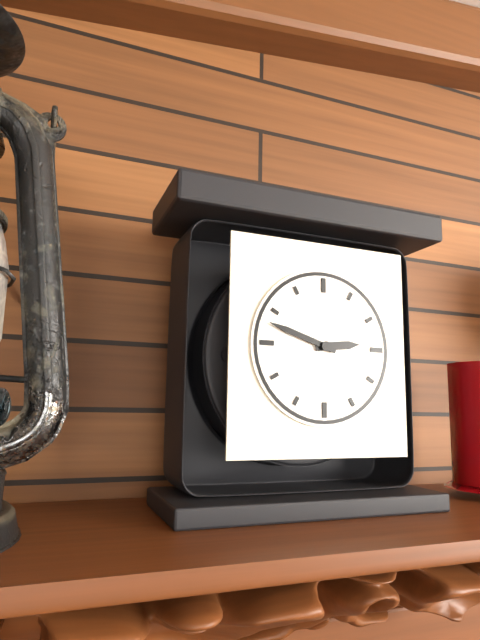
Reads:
h=2 m=48
